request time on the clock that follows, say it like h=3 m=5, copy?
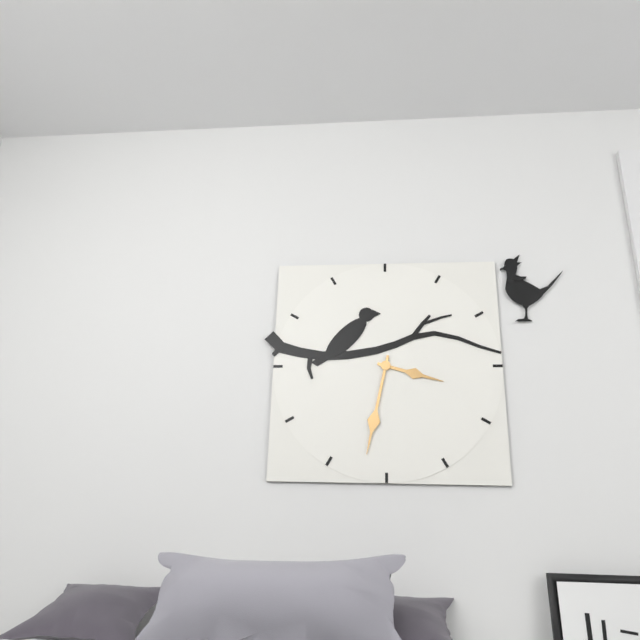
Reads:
h=3 m=32
